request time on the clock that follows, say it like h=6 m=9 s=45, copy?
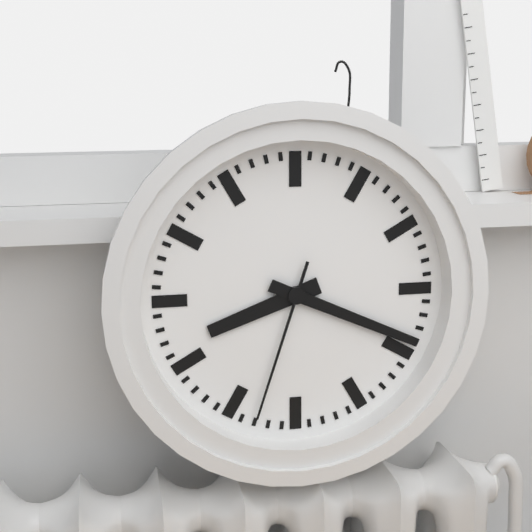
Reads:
h=8 m=19 s=33
